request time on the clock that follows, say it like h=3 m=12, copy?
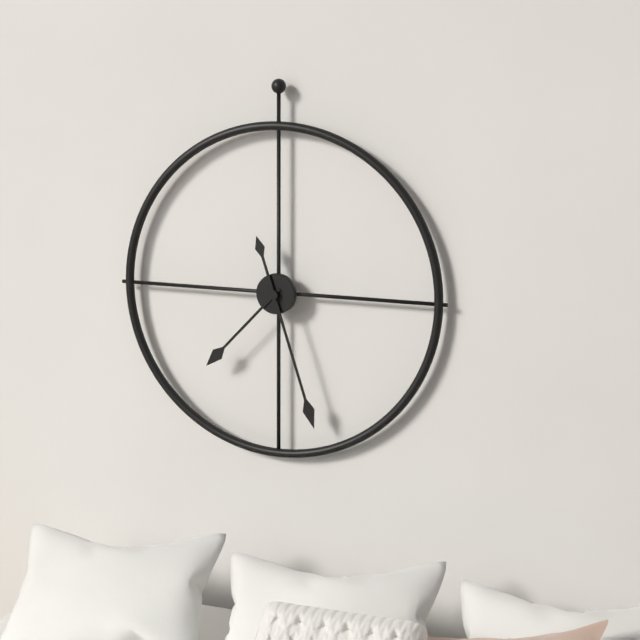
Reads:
h=7 m=27
